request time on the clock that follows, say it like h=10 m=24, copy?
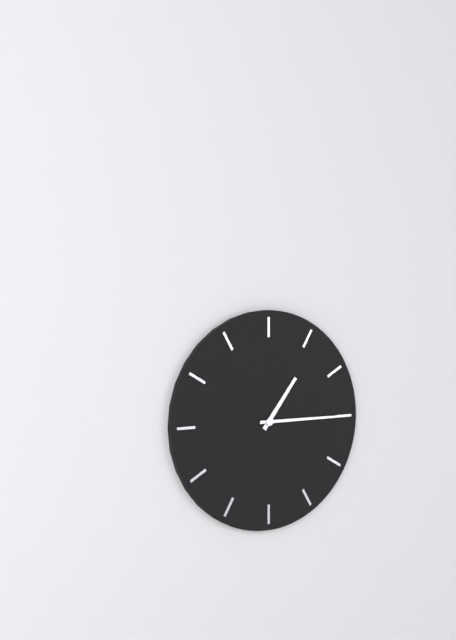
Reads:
h=1 m=15
